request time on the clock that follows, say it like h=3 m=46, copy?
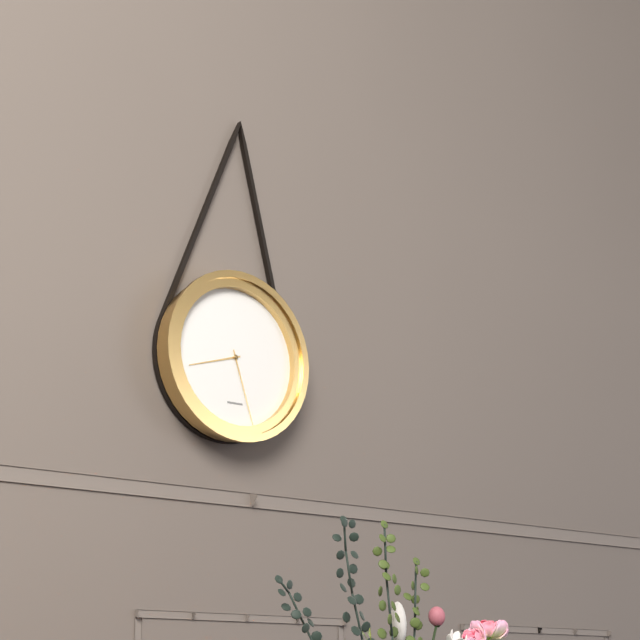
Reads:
h=8 m=27
